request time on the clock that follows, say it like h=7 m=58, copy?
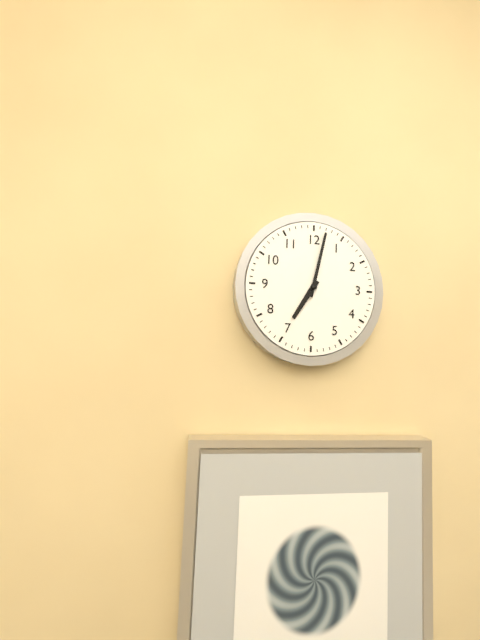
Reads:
h=7 m=2
